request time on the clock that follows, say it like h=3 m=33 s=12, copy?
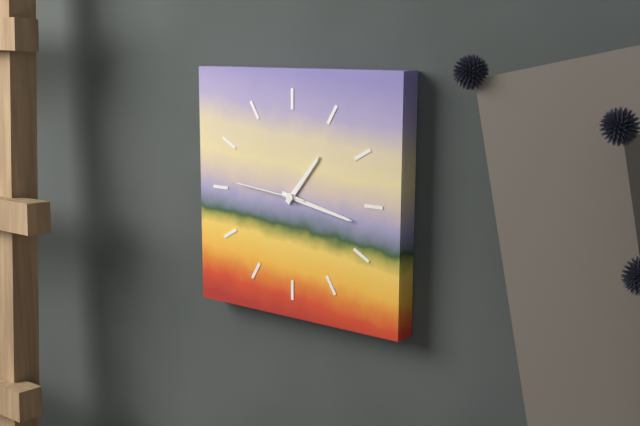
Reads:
h=1 m=17 s=46
